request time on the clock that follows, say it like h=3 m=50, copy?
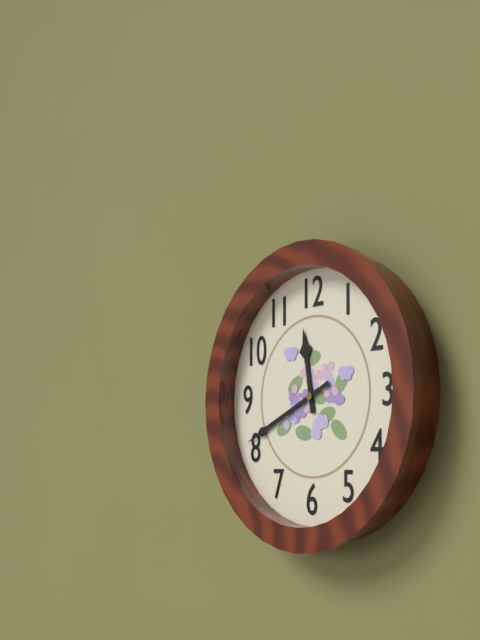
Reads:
h=11 m=41
